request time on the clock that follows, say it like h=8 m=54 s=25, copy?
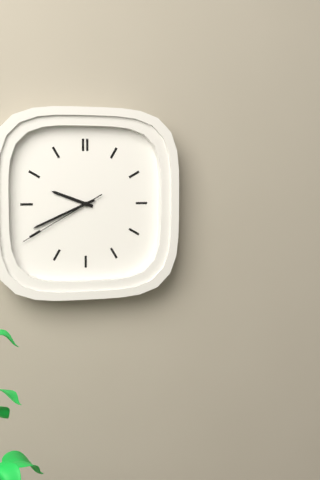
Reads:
h=9 m=41 s=40
